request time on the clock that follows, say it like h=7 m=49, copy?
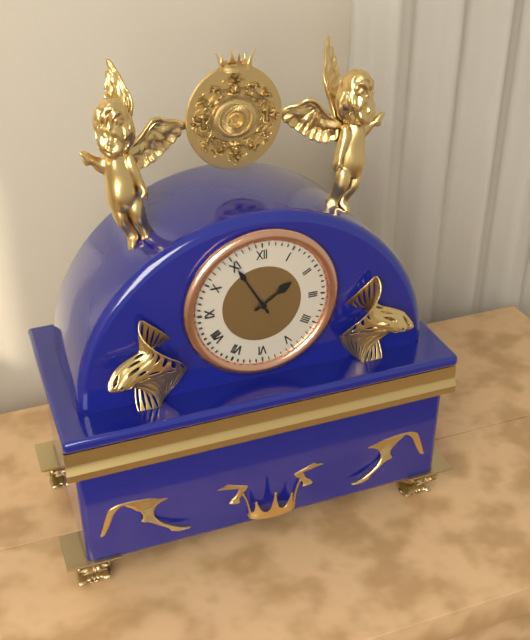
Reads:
h=1 m=55
